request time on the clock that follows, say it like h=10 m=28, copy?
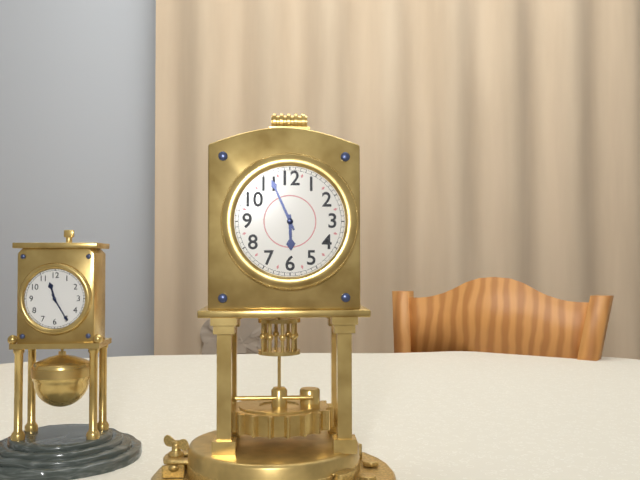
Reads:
h=5 m=56
